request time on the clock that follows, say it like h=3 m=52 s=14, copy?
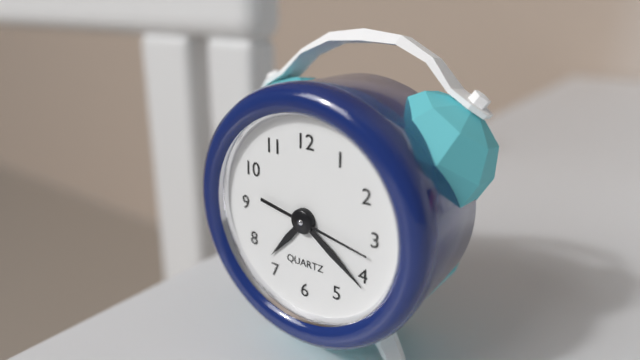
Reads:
h=7 m=21 s=17
